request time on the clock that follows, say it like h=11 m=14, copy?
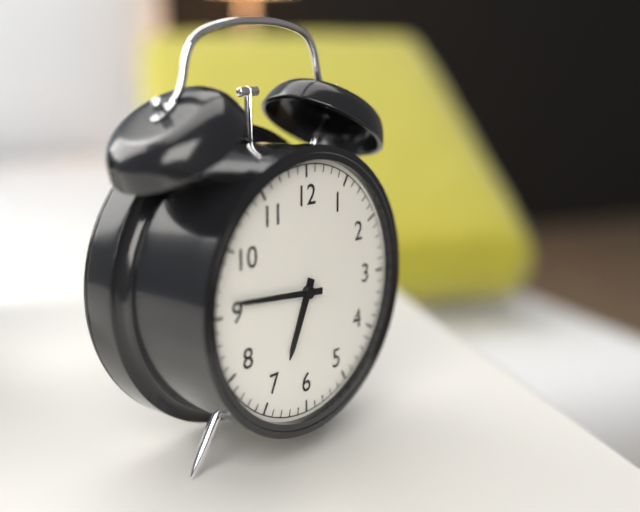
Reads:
h=6 m=46
